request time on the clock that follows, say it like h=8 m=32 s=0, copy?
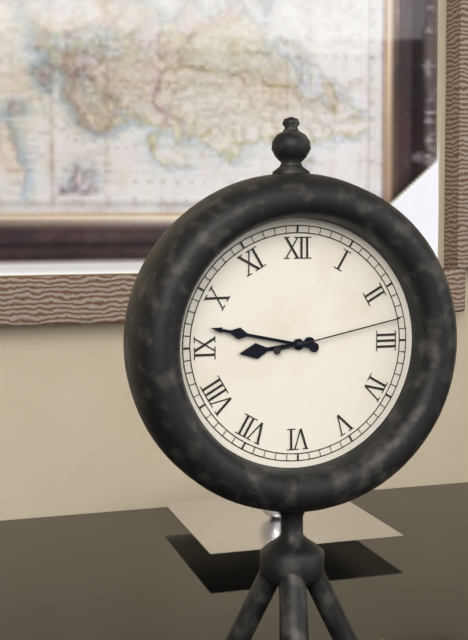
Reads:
h=8 m=47 s=13
